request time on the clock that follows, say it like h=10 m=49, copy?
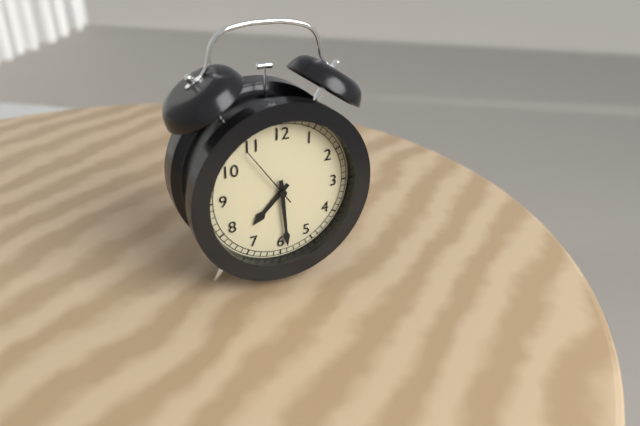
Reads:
h=7 m=29
